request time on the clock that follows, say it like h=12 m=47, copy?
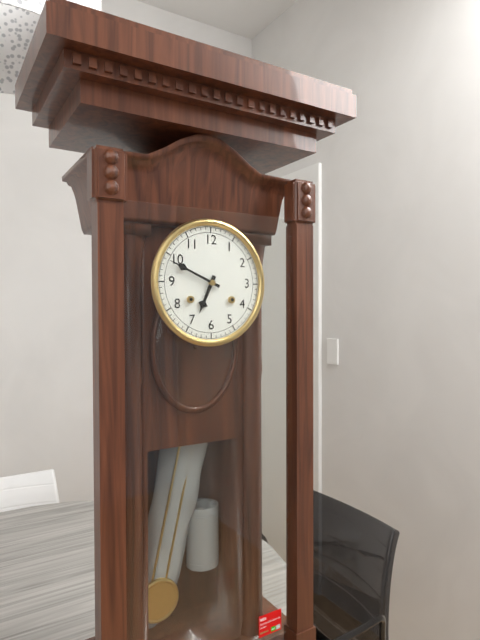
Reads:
h=6 m=49
